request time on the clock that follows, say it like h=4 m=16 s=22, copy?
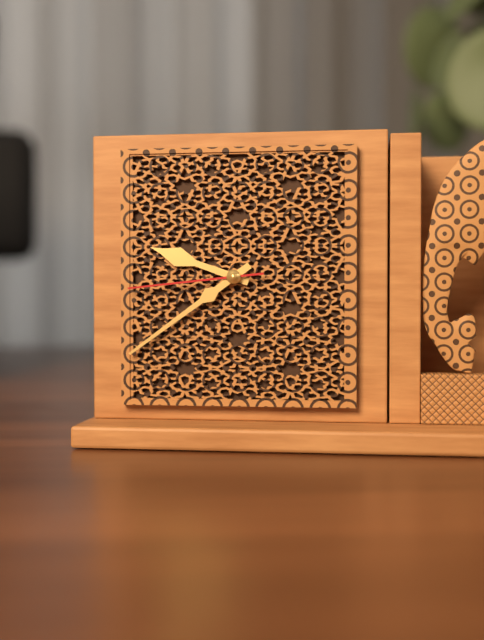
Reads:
h=9 m=39 s=44
